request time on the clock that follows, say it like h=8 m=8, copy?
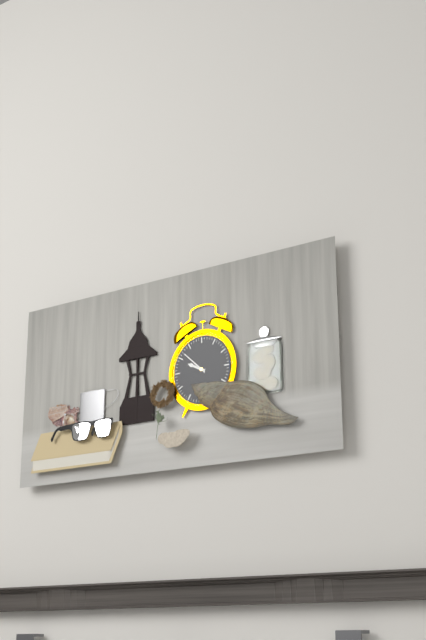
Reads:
h=9 m=52
